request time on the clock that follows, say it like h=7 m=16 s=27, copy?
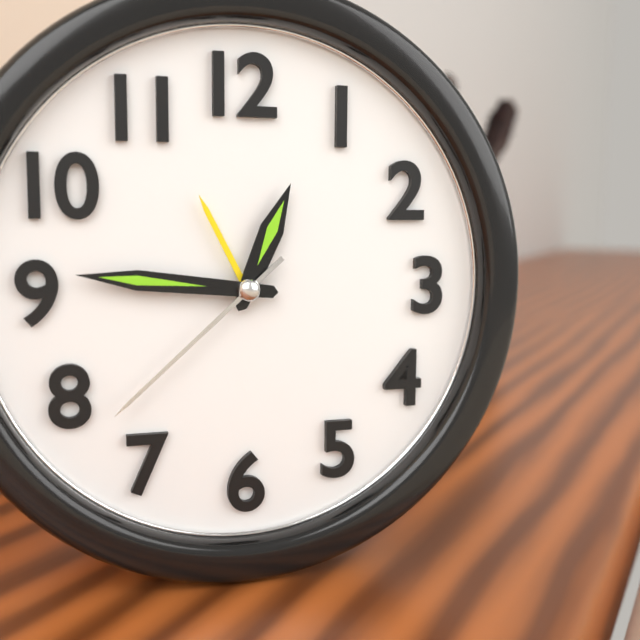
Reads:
h=12 m=46 s=38
